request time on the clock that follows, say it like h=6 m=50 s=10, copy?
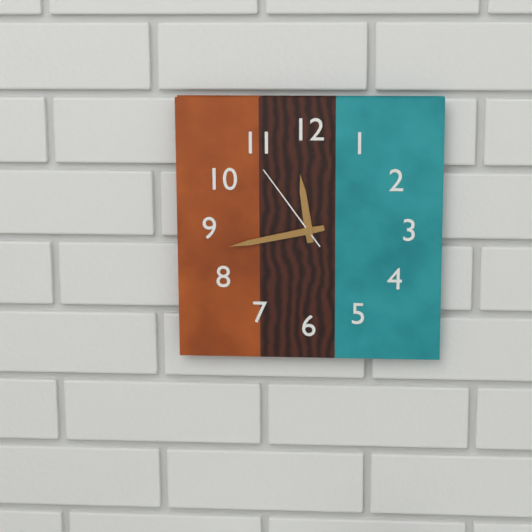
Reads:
h=11 m=43 s=54
